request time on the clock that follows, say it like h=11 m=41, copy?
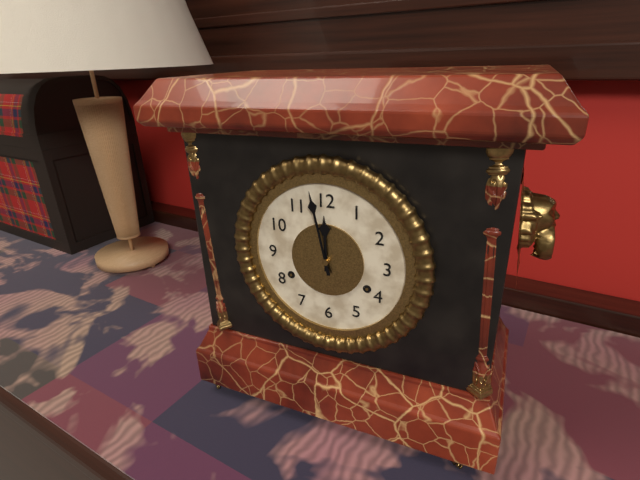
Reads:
h=11 m=58
